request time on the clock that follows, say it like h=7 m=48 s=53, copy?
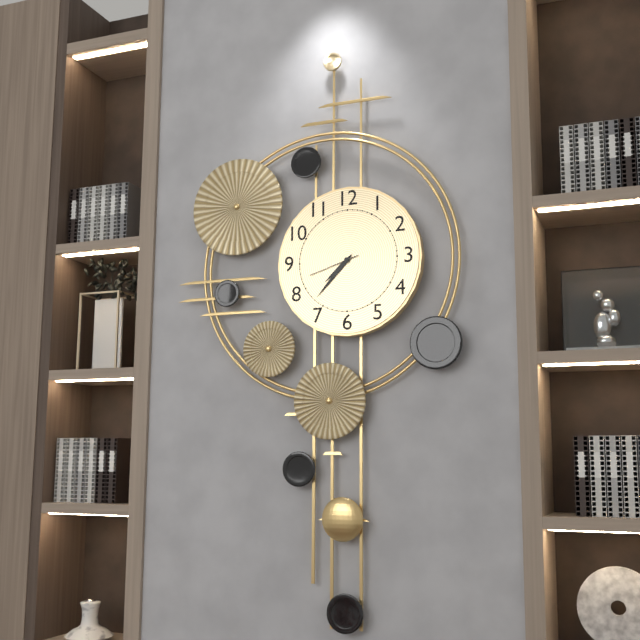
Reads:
h=7 m=37 s=42
